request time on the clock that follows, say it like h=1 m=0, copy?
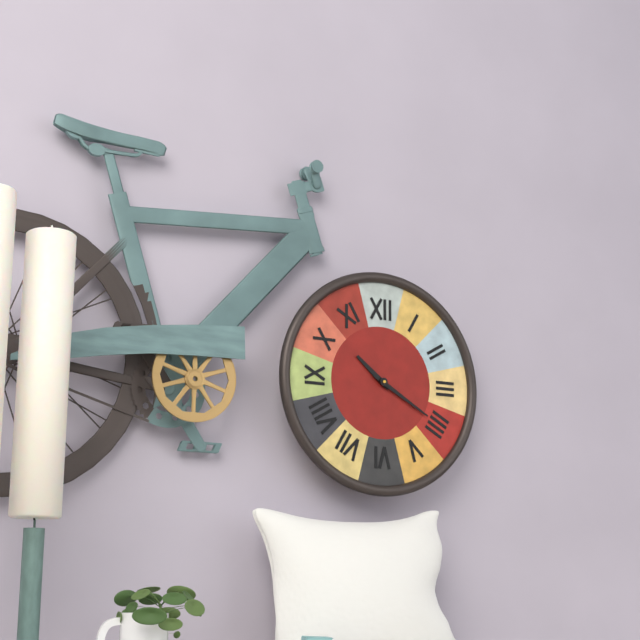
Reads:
h=10 m=20
